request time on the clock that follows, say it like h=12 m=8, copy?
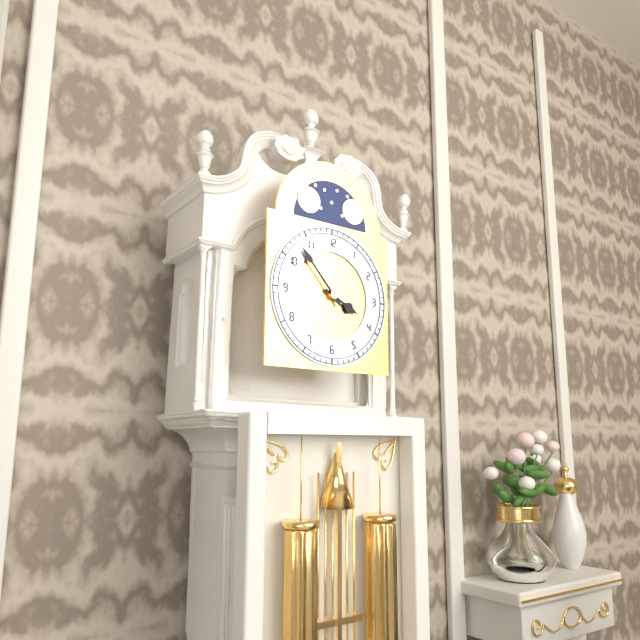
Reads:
h=3 m=53
